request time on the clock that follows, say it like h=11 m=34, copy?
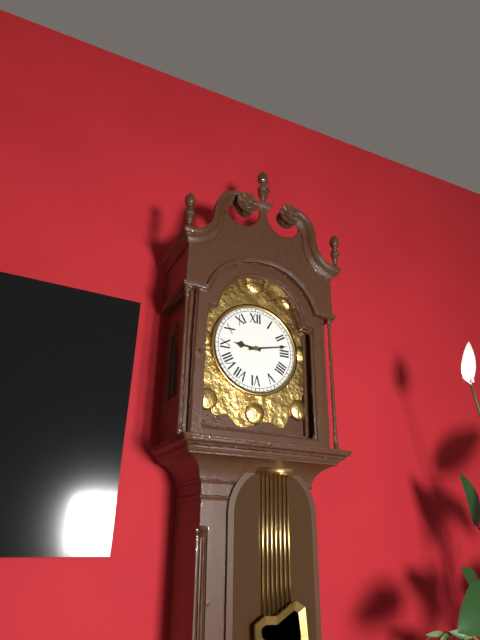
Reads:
h=9 m=13
